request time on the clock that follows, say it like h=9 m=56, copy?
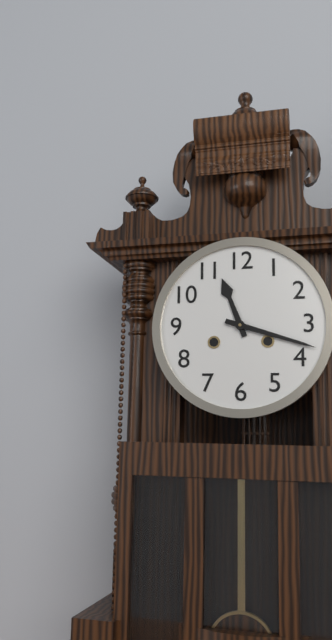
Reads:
h=11 m=18
